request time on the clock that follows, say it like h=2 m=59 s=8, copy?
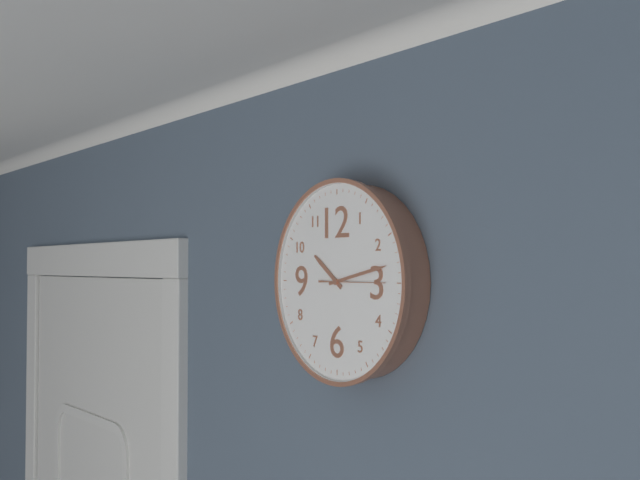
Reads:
h=10 m=13 s=15
